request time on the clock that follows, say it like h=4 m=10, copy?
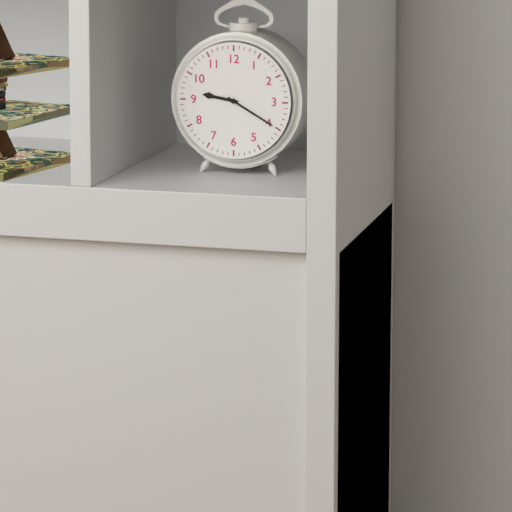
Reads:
h=9 m=20
